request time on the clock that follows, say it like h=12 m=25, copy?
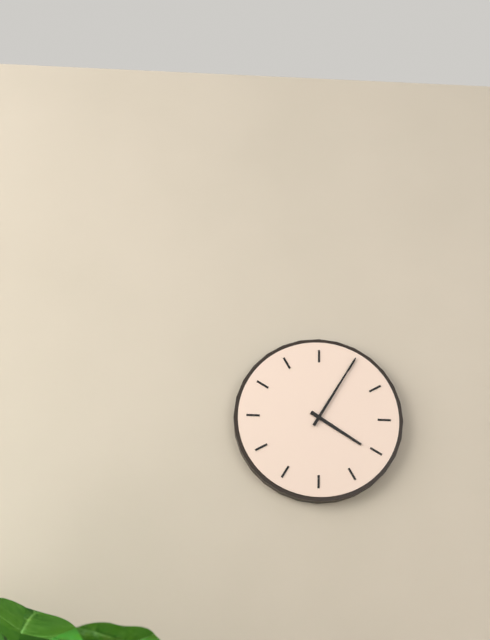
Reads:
h=4 m=5
